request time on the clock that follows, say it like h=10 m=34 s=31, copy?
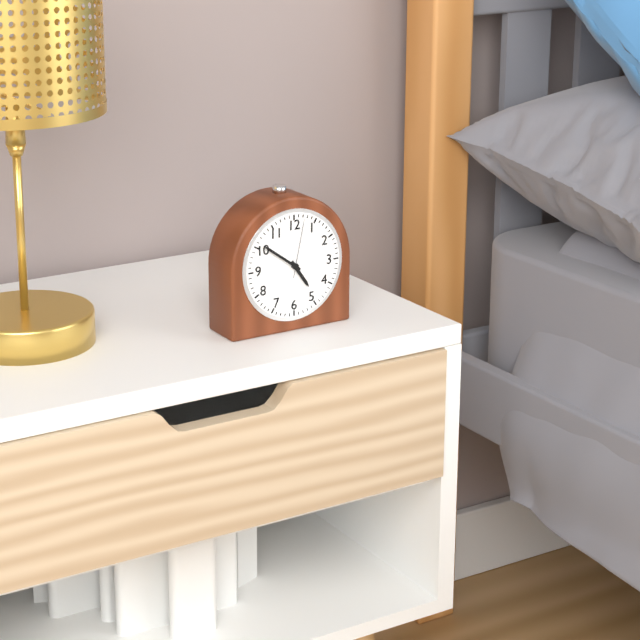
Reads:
h=4 m=51 s=2
